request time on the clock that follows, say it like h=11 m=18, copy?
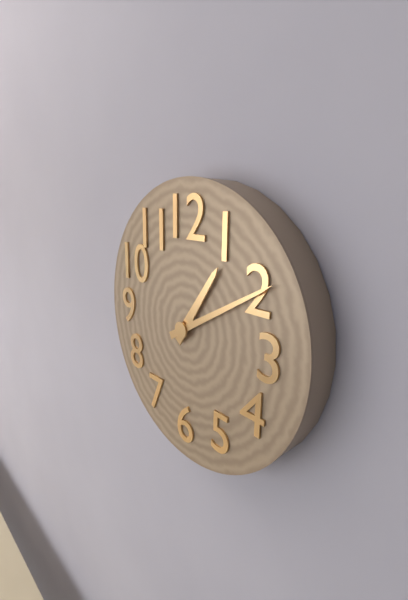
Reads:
h=1 m=10
